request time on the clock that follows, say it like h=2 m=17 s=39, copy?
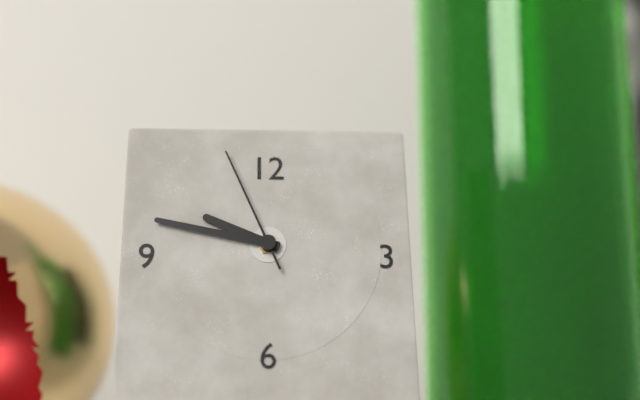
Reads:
h=9 m=47 s=56
